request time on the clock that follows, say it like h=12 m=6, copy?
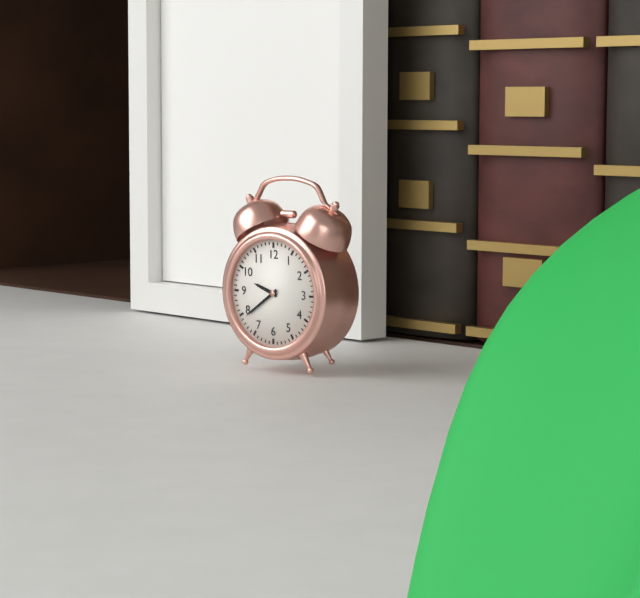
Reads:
h=9 m=39
